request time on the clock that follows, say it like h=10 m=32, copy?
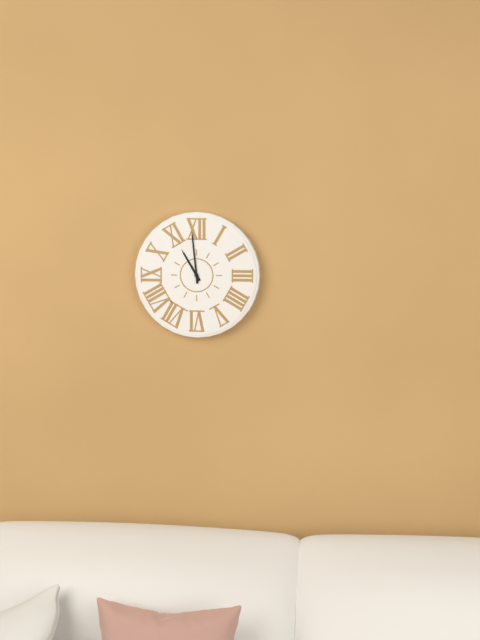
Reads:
h=10 m=59
